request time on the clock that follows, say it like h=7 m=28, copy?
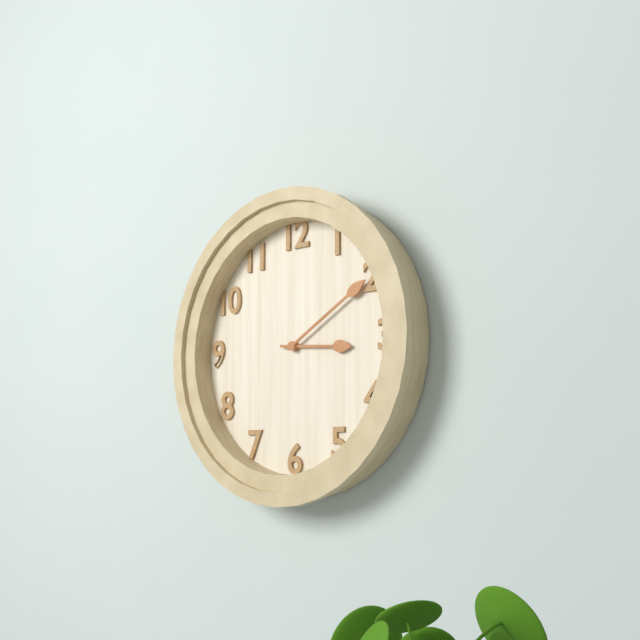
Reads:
h=3 m=10
